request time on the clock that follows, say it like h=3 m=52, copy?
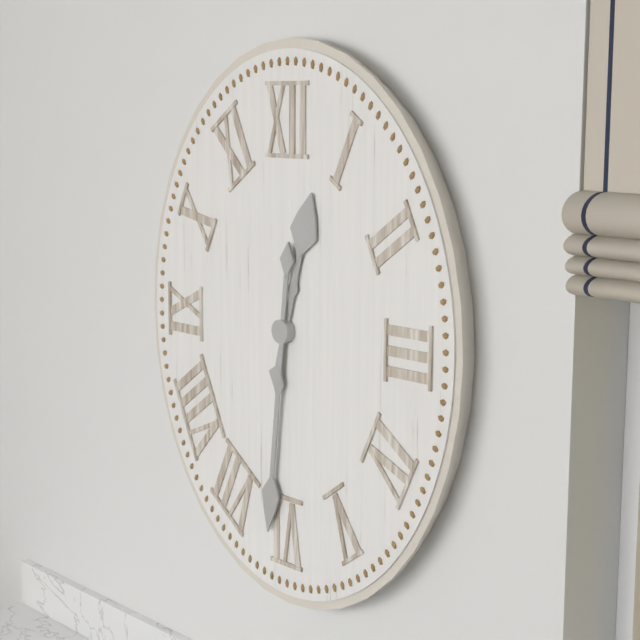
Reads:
h=12 m=31
